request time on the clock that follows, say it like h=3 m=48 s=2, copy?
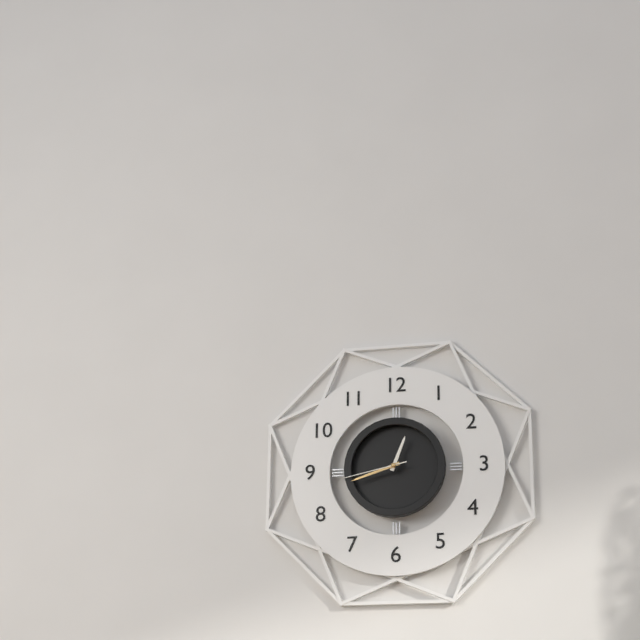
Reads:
h=12 m=42 s=43
